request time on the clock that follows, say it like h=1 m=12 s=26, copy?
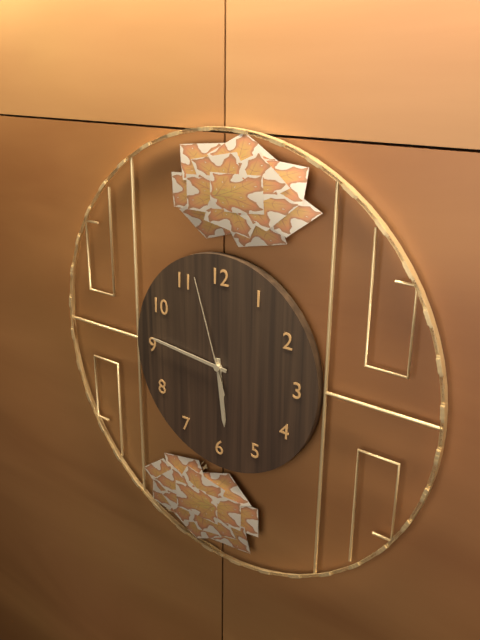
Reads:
h=5 m=46 s=57
